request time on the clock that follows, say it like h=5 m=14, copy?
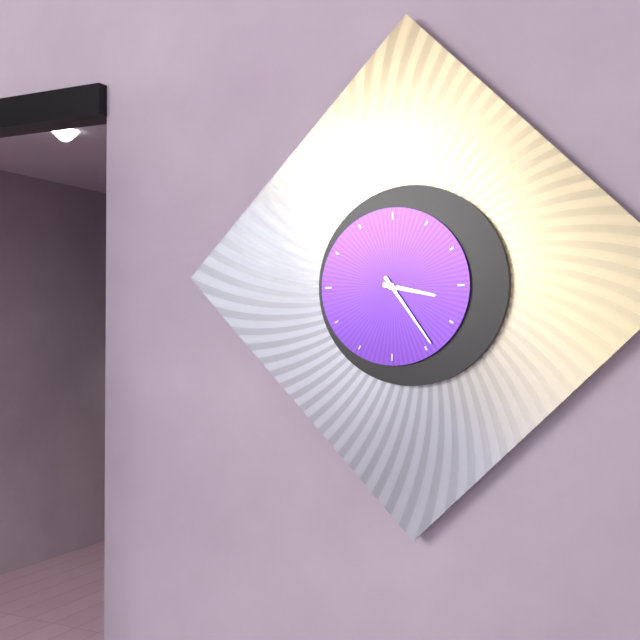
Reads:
h=3 m=24
